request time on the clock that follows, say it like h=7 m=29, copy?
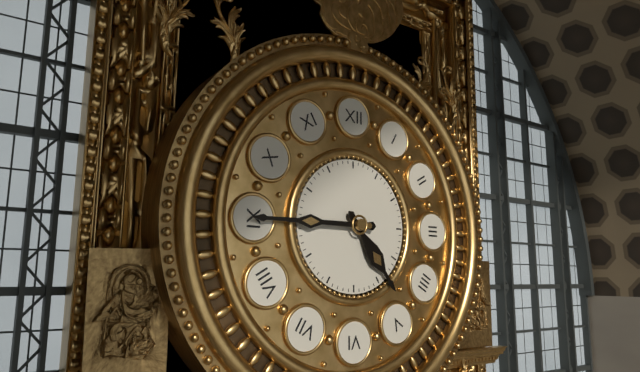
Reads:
h=4 m=45
